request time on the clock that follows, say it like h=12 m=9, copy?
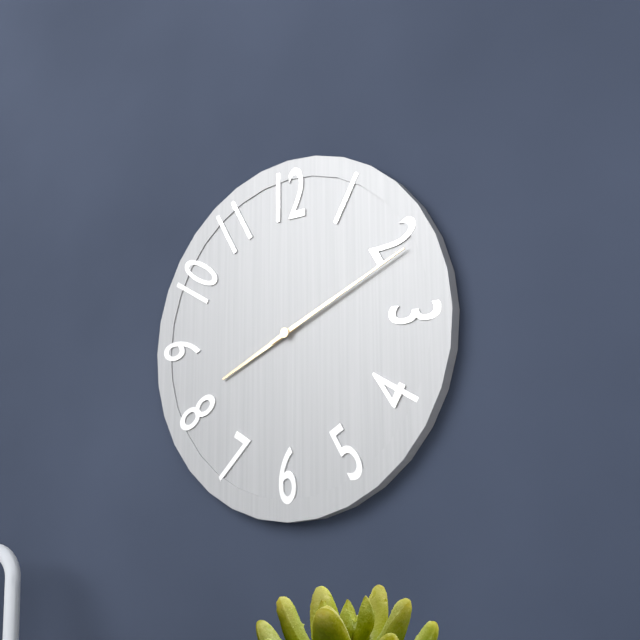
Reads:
h=8 m=11
